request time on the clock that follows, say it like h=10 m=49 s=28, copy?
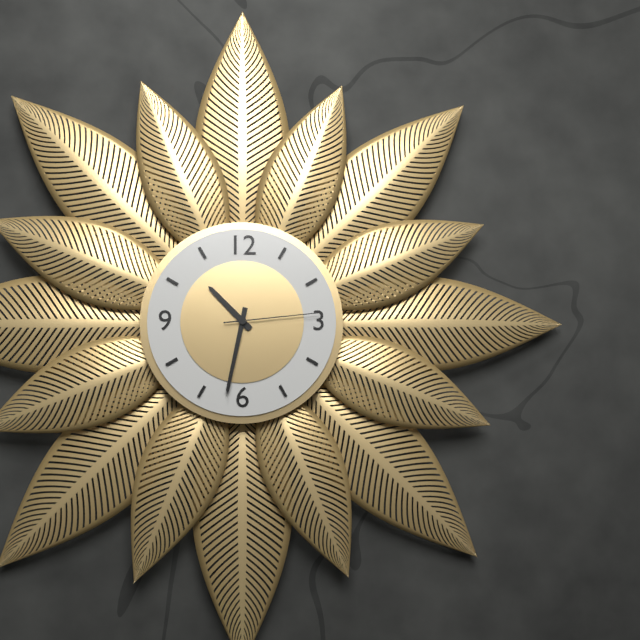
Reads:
h=10 m=32 s=14
